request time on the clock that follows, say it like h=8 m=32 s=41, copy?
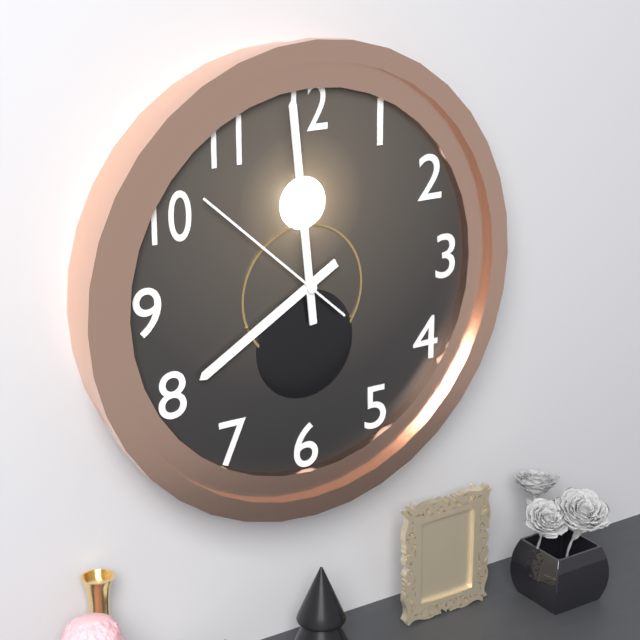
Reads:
h=7 m=59 s=52
